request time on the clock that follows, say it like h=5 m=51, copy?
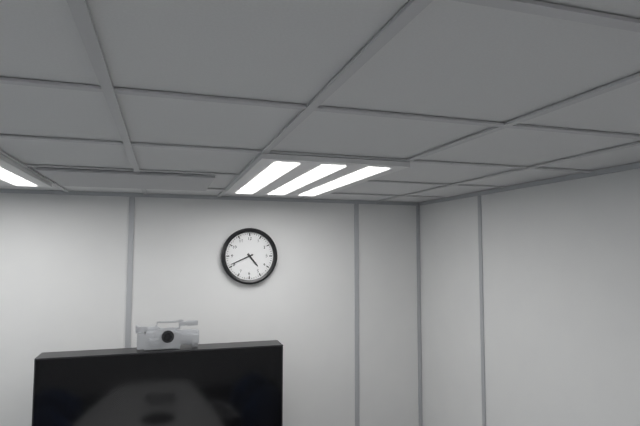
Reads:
h=4 m=41
